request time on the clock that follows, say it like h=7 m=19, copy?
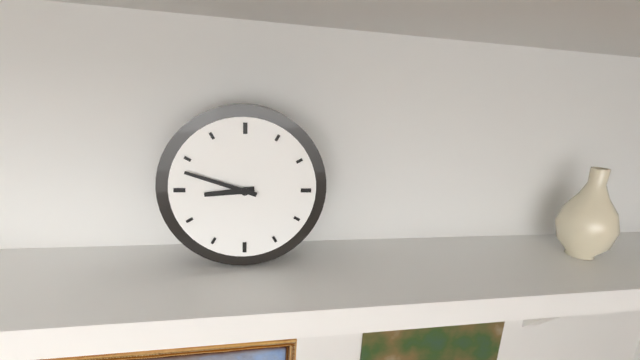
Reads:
h=8 m=48
